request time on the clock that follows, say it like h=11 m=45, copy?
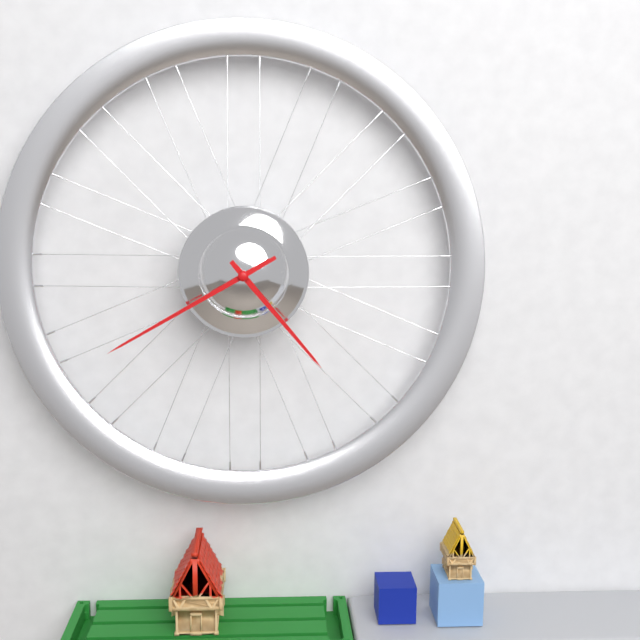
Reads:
h=4 m=40
